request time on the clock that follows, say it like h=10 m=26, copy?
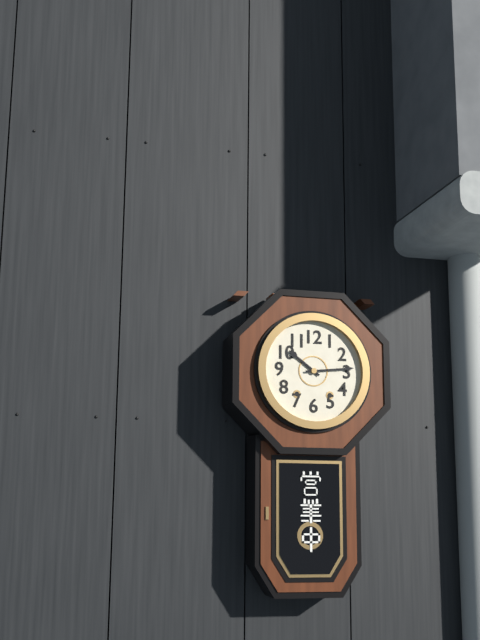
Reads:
h=10 m=14
